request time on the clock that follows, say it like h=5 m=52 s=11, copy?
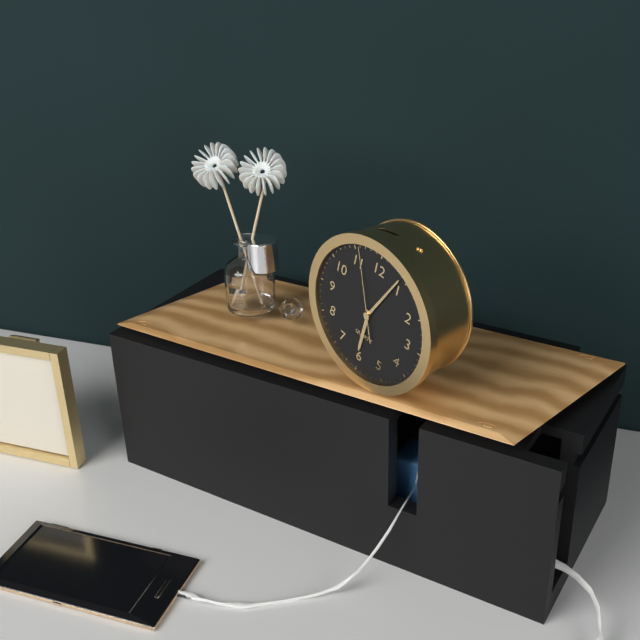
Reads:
h=6 m=4 s=56
